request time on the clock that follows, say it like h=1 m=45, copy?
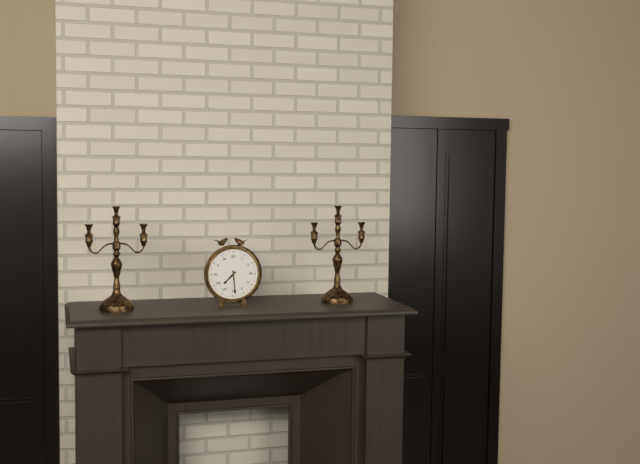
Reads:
h=7 m=29
